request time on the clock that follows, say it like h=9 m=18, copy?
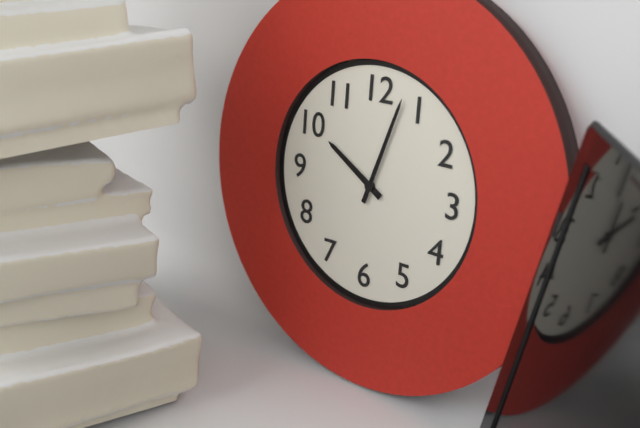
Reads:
h=10 m=3
